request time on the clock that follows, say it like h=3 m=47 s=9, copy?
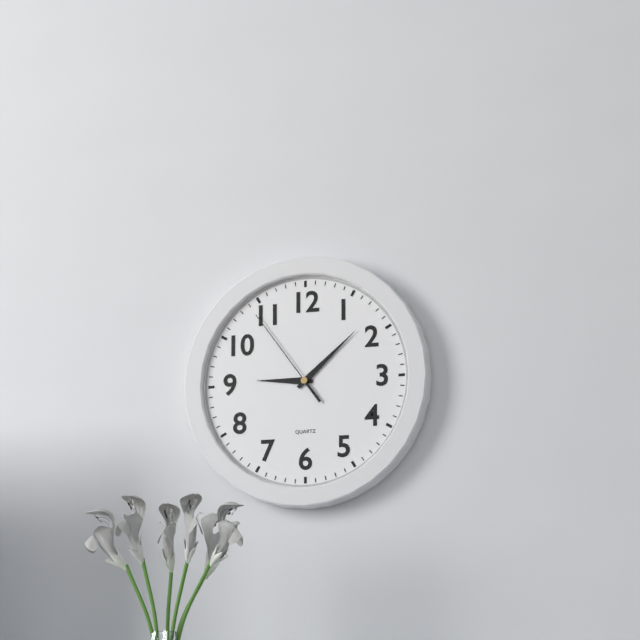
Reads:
h=9 m=8 s=54
